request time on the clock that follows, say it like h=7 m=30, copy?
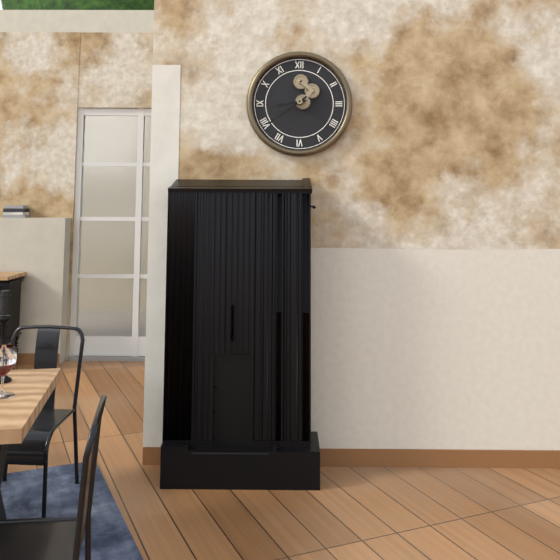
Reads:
h=8 m=39
